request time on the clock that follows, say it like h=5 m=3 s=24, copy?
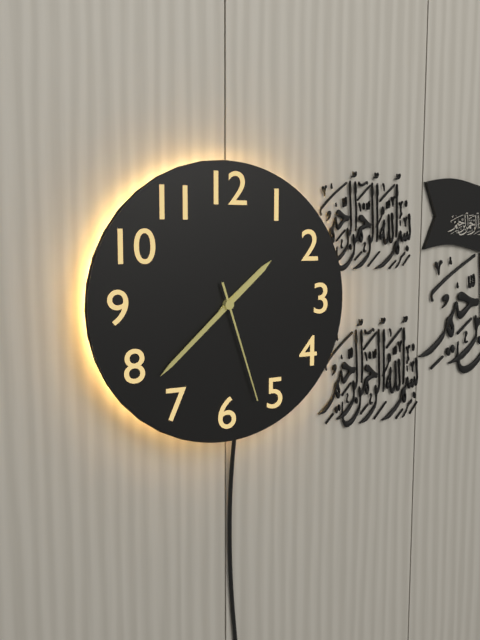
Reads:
h=1 m=38 s=27
